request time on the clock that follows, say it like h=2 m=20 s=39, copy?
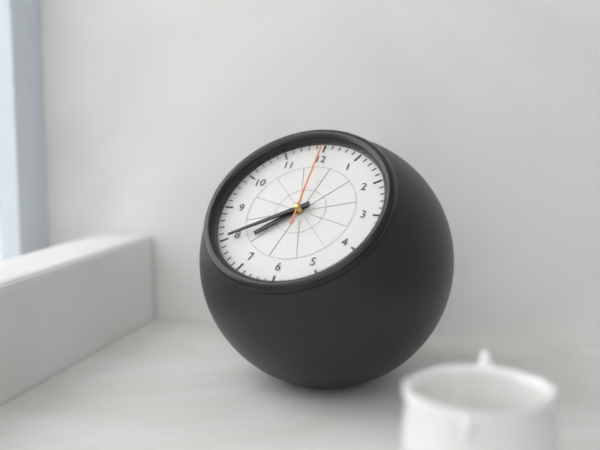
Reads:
h=7 m=40 s=0
